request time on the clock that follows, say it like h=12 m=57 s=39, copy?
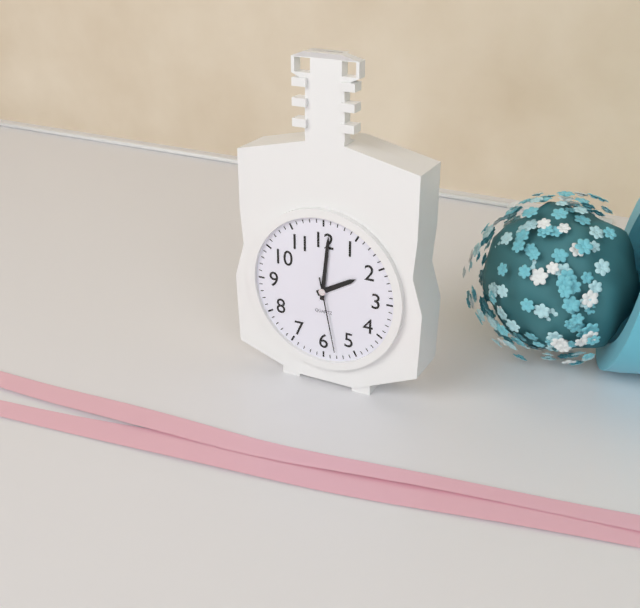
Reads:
h=2 m=1 s=28
